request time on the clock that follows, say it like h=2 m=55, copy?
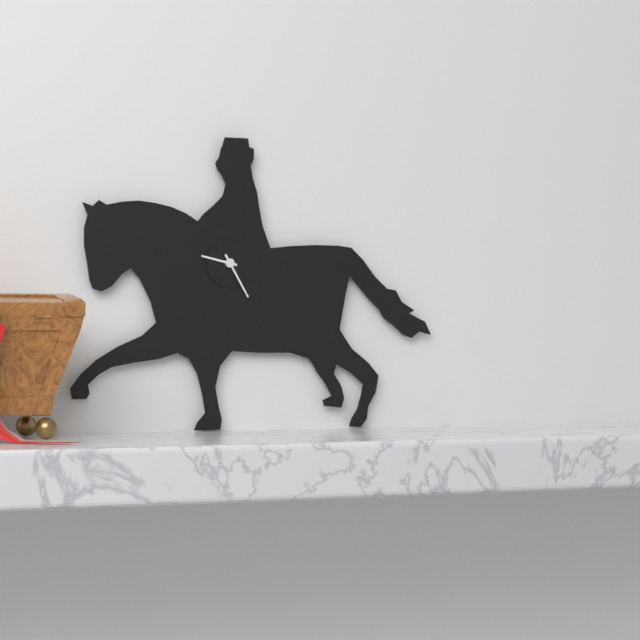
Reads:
h=9 m=25
